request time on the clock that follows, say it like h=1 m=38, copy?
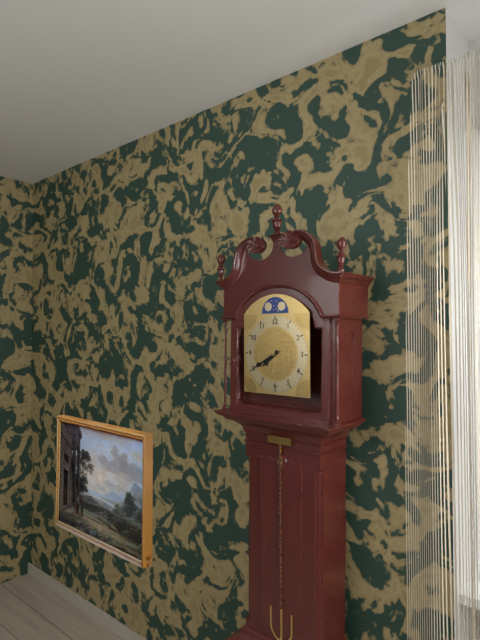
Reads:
h=7 m=40
